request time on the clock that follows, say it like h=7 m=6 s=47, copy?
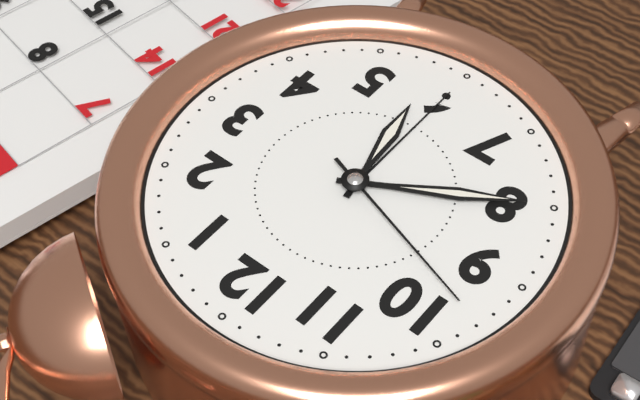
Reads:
h=5 m=40 s=48
